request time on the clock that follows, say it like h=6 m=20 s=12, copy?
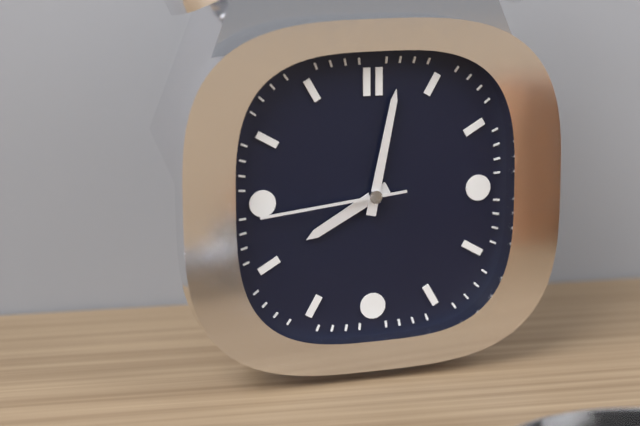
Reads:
h=8 m=2 s=44
